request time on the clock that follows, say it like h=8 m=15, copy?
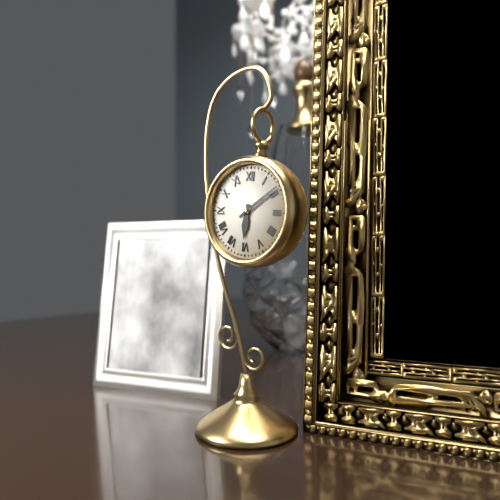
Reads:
h=6 m=9
